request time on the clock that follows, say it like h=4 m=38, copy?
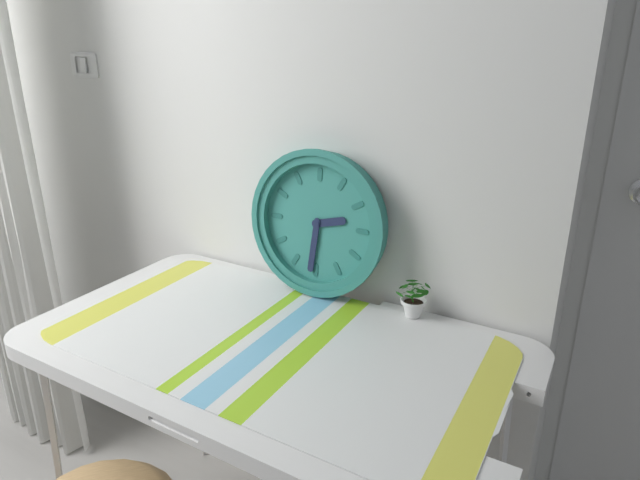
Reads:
h=2 m=31
